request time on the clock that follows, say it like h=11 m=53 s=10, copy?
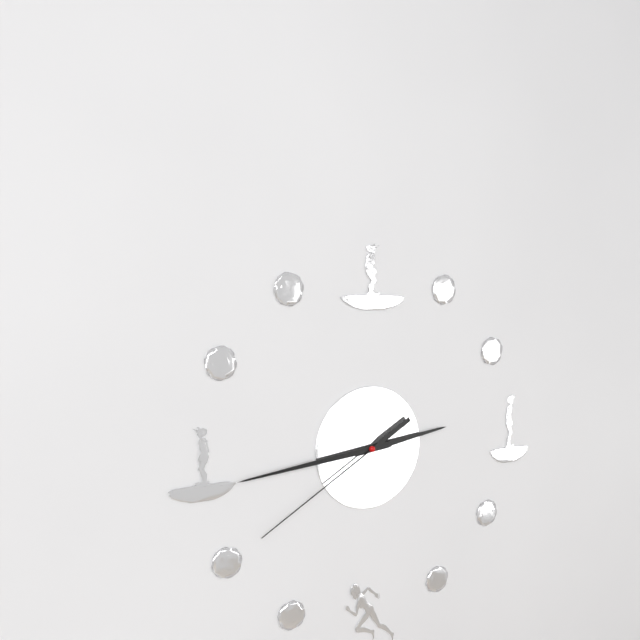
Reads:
h=2 m=44 s=40
